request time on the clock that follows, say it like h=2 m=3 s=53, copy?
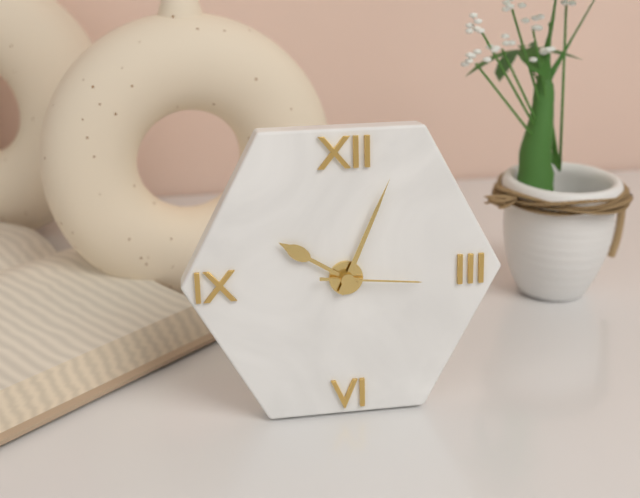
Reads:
h=10 m=4 s=16
